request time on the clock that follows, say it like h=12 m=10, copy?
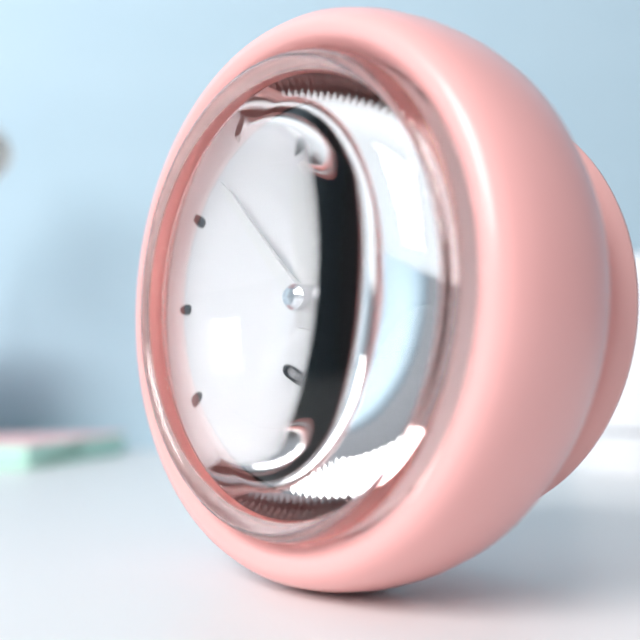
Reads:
h=11 m=53
